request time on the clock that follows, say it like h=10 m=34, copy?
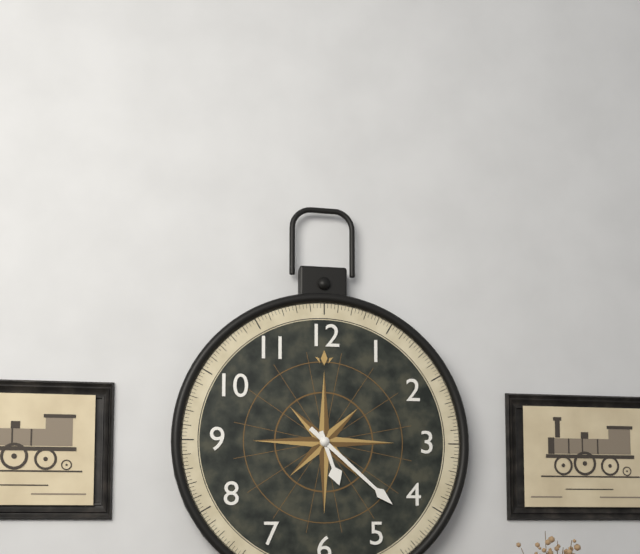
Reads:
h=5 m=22
